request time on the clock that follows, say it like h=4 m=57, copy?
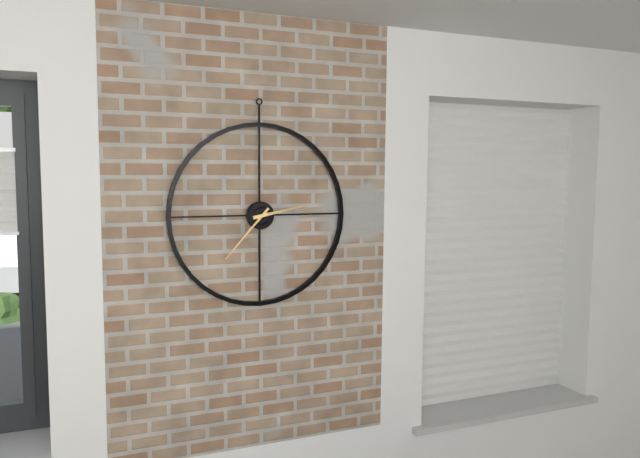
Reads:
h=2 m=37
